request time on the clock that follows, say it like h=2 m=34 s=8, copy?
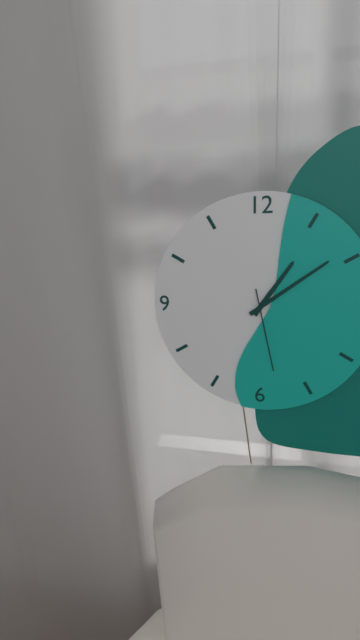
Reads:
h=1 m=9 s=28
